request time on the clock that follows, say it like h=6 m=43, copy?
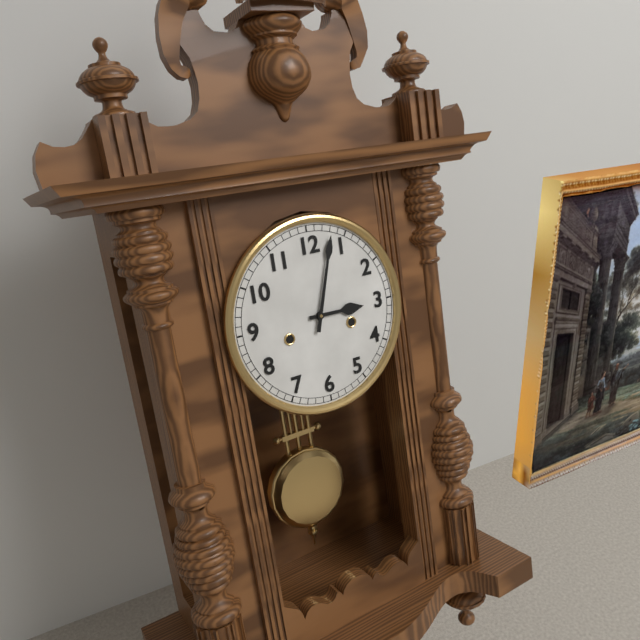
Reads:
h=3 m=3
